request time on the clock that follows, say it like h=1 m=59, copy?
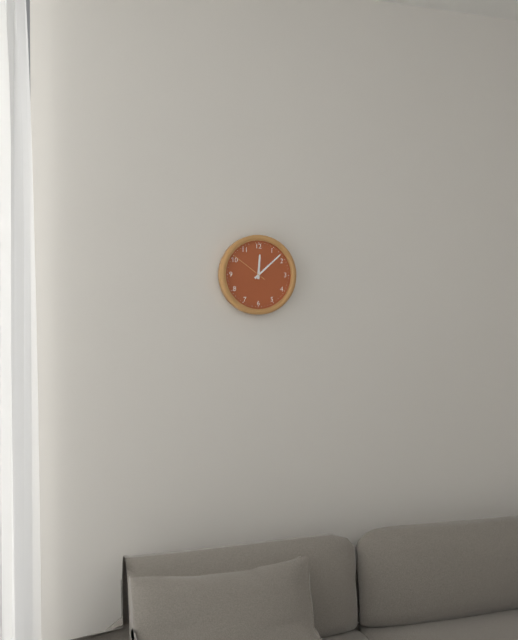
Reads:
h=12 m=8
